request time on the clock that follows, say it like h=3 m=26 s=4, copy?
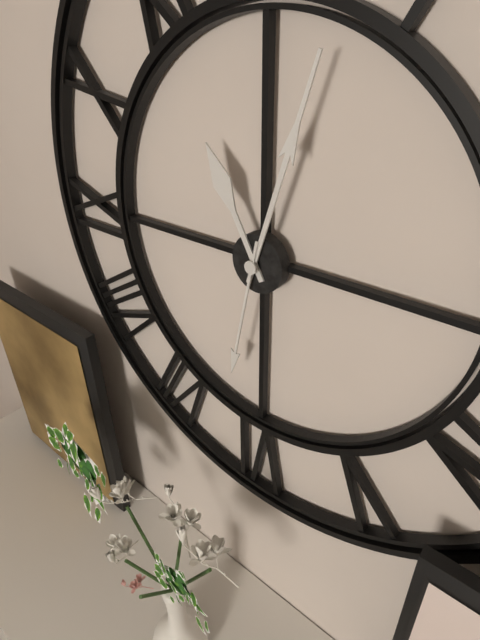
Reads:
h=11 m=3 s=32
